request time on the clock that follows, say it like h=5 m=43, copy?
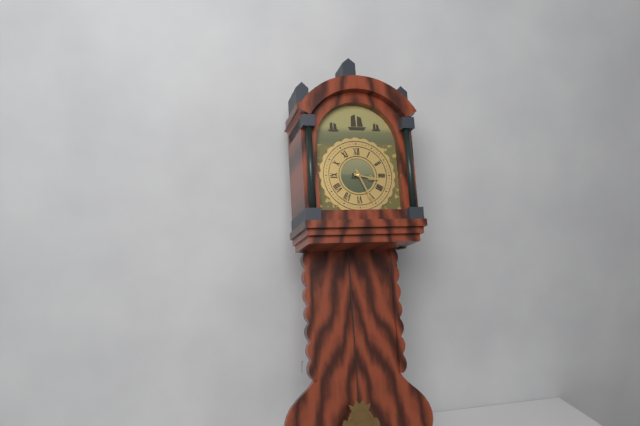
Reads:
h=3 m=26
